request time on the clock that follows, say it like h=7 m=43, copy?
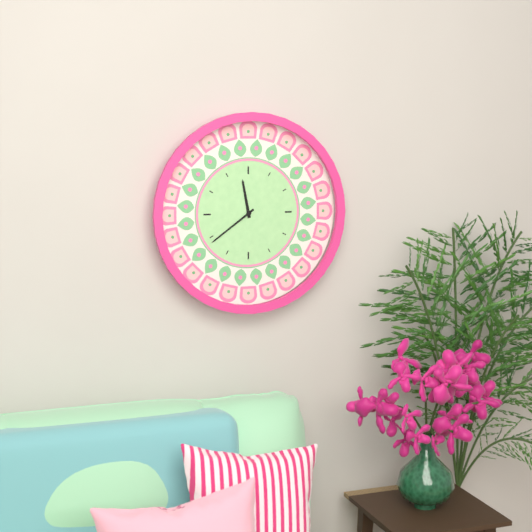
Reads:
h=11 m=39
